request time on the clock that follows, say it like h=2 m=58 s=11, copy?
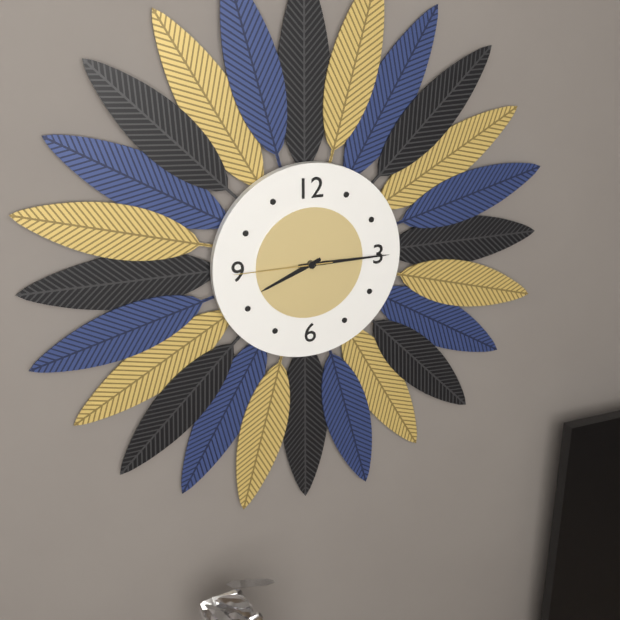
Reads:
h=8 m=15 s=45
